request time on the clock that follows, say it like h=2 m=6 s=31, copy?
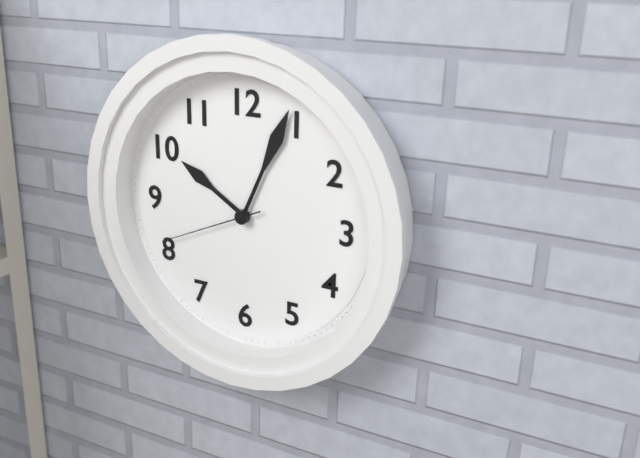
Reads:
h=10 m=4 s=41
